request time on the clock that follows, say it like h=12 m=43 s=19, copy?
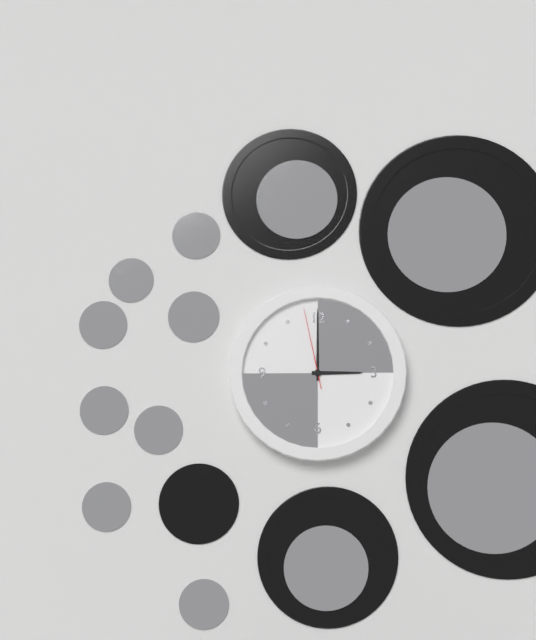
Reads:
h=3 m=0 s=58
